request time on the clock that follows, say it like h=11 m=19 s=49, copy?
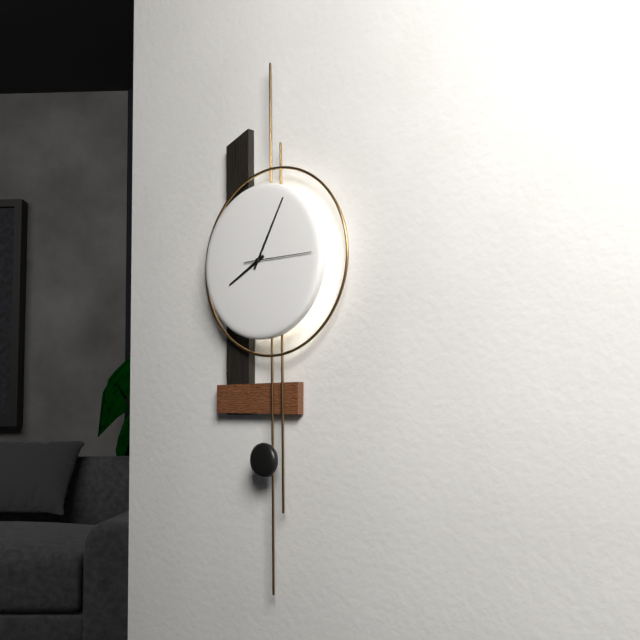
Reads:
h=8 m=5 s=15
